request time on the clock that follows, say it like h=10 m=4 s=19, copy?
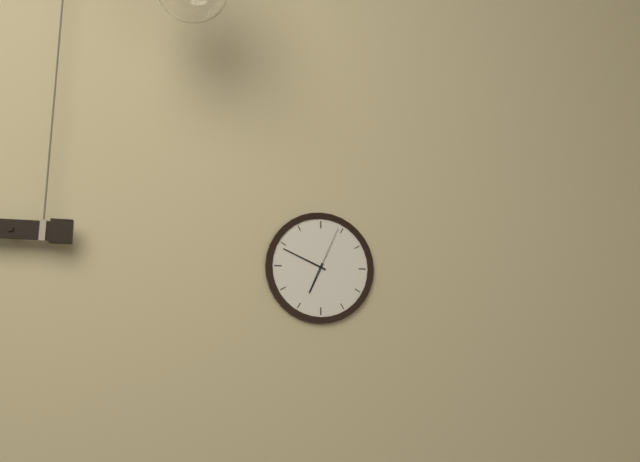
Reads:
h=6 m=49 s=4
